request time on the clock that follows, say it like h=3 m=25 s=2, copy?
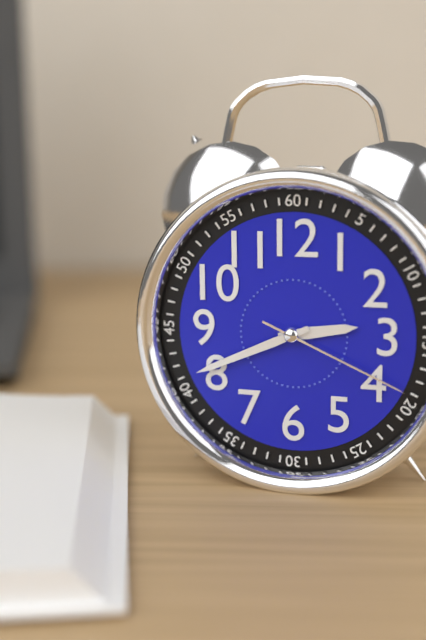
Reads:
h=2 m=41 s=19
